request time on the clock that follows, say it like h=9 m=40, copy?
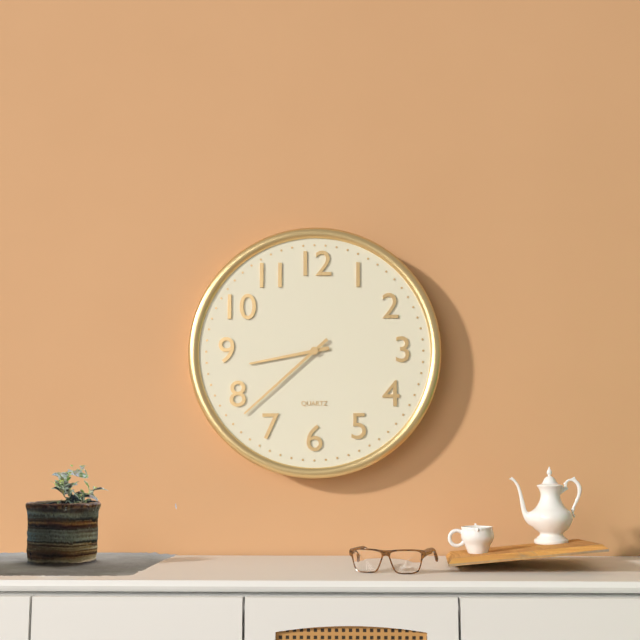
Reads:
h=8 m=38
